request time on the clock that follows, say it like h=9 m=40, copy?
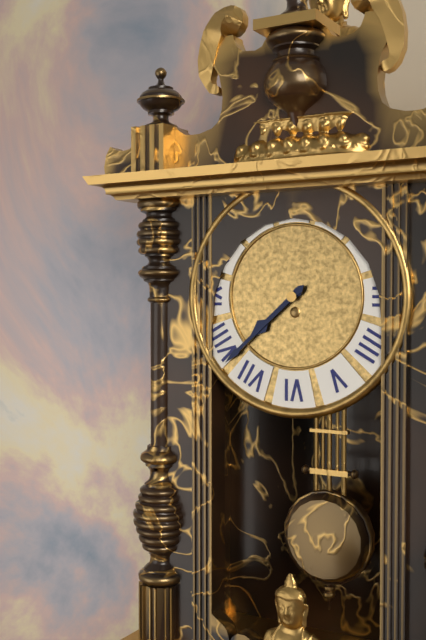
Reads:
h=7 m=38
